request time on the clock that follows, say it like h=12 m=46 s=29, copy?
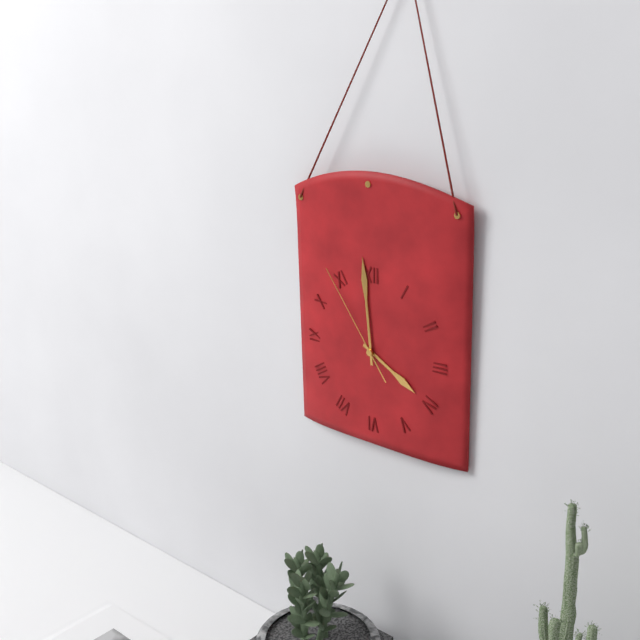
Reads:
h=3 m=59 s=54
